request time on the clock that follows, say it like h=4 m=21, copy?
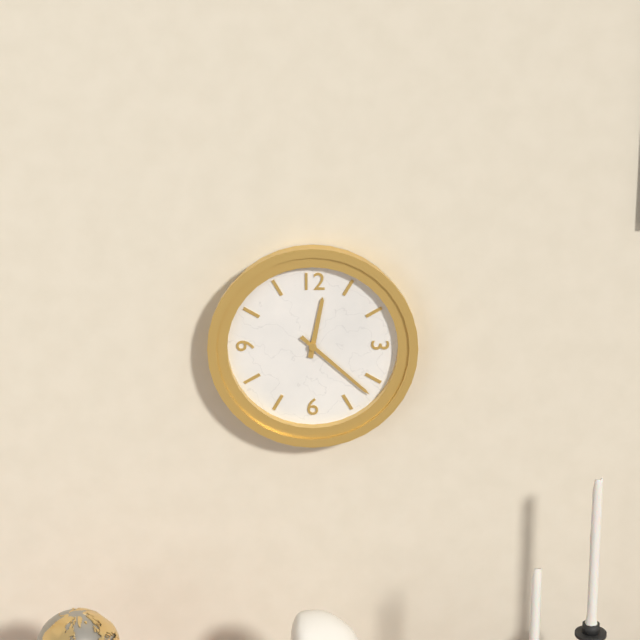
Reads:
h=12 m=22
